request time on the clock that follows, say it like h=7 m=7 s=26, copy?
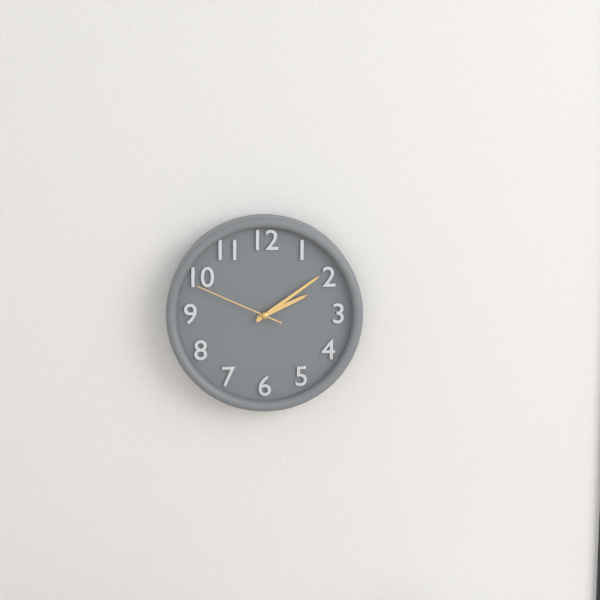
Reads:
h=2 m=9 s=49
